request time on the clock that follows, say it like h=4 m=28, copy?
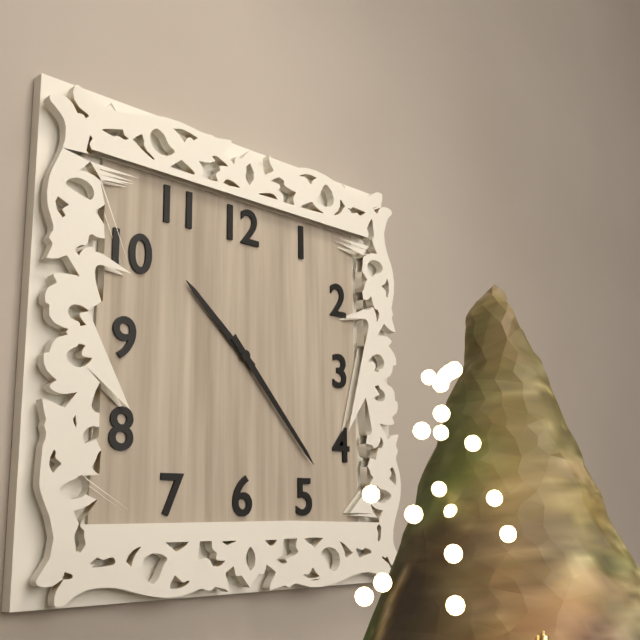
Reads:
h=10 m=23
